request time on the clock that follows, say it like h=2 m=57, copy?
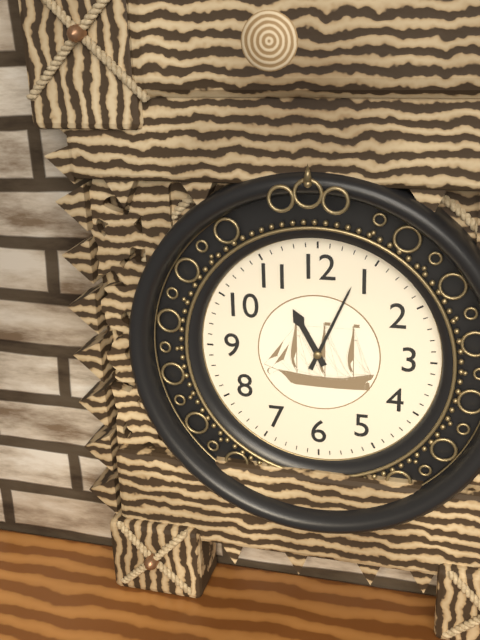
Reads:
h=11 m=4
